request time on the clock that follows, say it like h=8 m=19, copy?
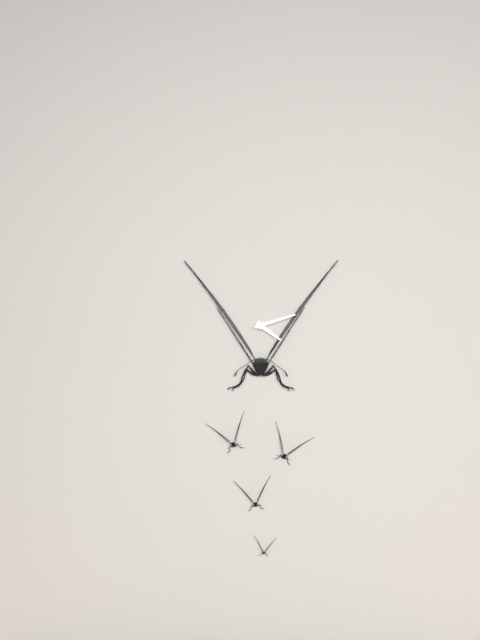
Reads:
h=4 m=12
